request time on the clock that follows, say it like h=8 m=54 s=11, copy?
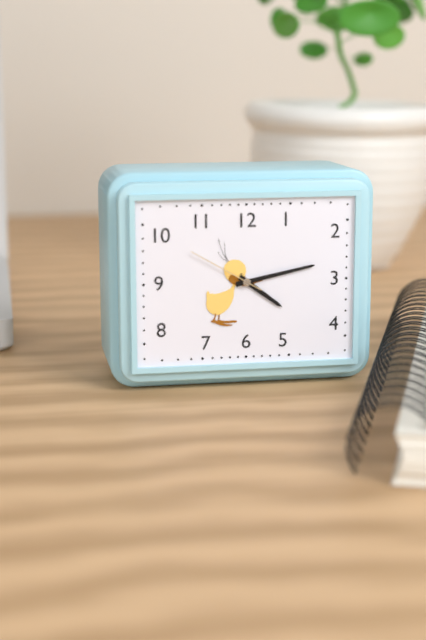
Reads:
h=4 m=13 s=50
